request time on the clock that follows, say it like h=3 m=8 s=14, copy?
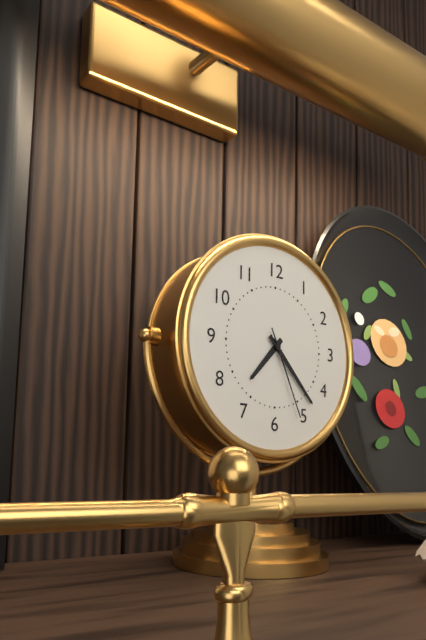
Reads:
h=7 m=23 s=26
